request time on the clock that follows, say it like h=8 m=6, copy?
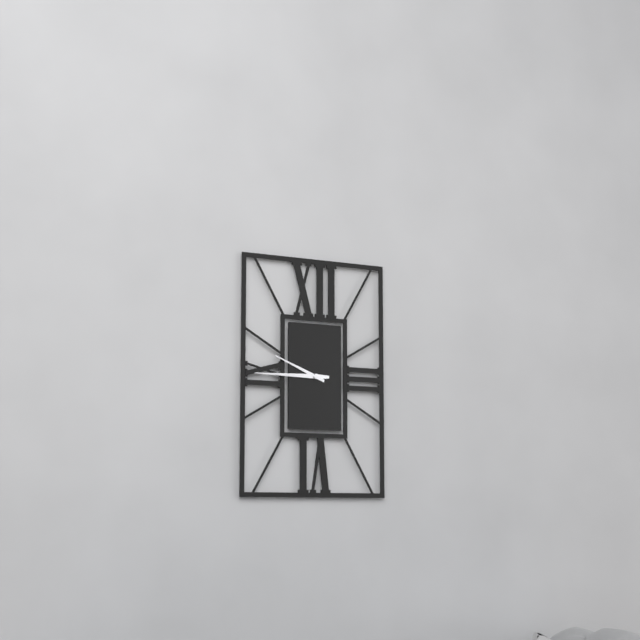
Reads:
h=9 m=45
